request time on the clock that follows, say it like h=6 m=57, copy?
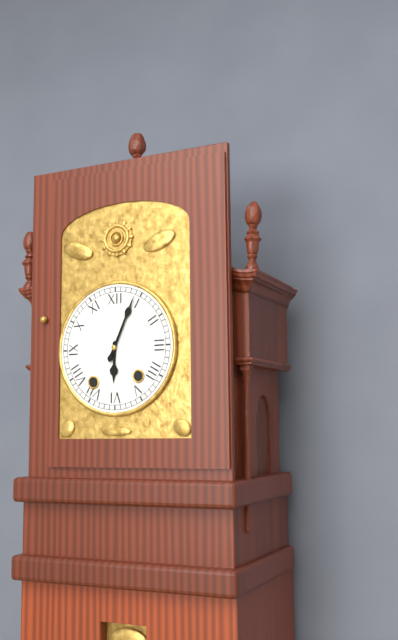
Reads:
h=6 m=4
